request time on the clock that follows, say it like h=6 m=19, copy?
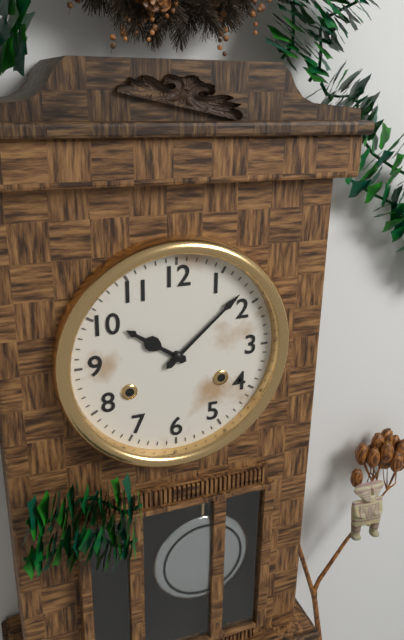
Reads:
h=10 m=8
